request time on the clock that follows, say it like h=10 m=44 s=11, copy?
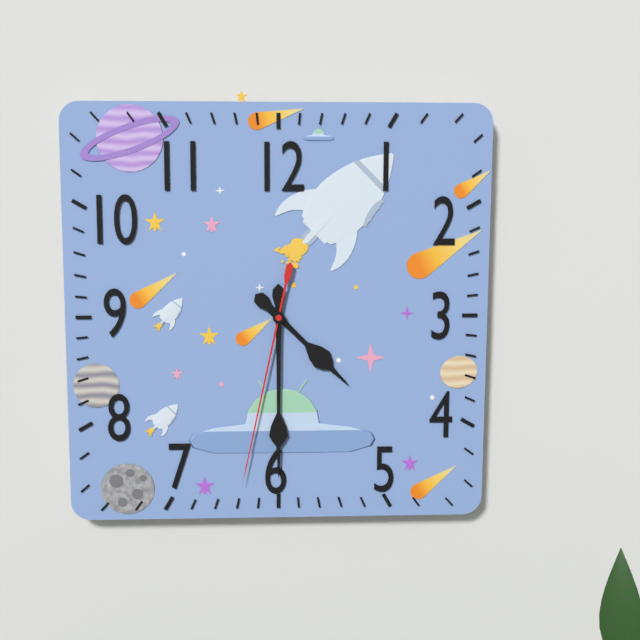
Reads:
h=4 m=30 s=32
